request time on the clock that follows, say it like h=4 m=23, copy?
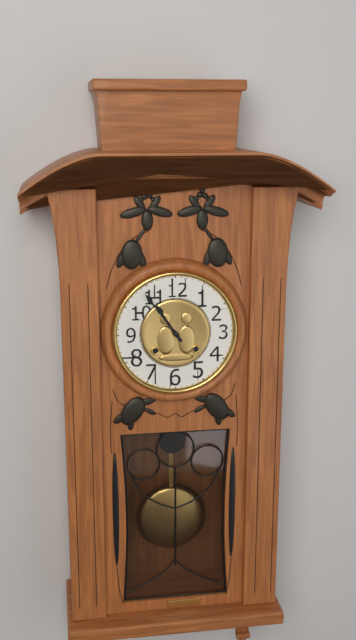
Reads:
h=10 m=54
